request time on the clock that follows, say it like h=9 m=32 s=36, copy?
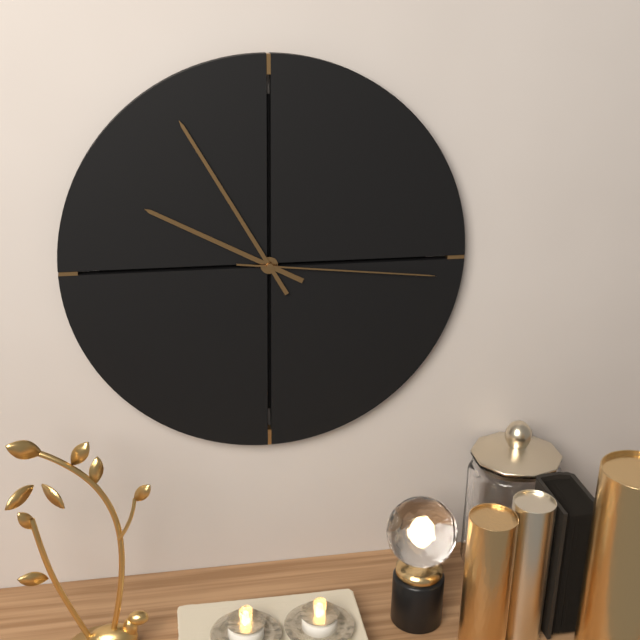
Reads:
h=9 m=55 s=16
